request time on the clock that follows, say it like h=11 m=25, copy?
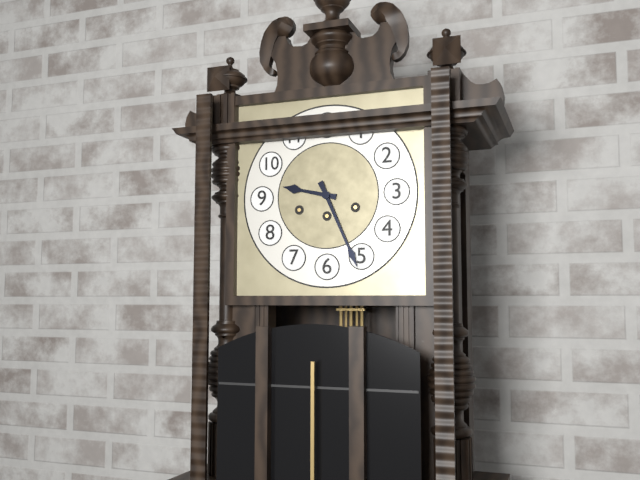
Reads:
h=9 m=26
